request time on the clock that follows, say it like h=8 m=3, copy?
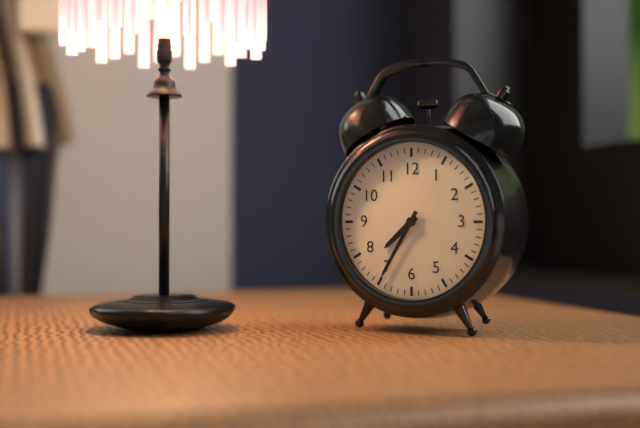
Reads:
h=7 m=35
